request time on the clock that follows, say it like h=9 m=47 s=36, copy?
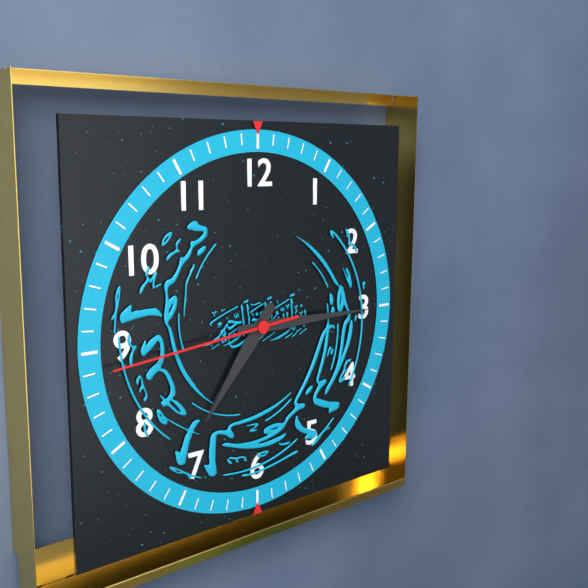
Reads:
h=7 m=15 s=44
